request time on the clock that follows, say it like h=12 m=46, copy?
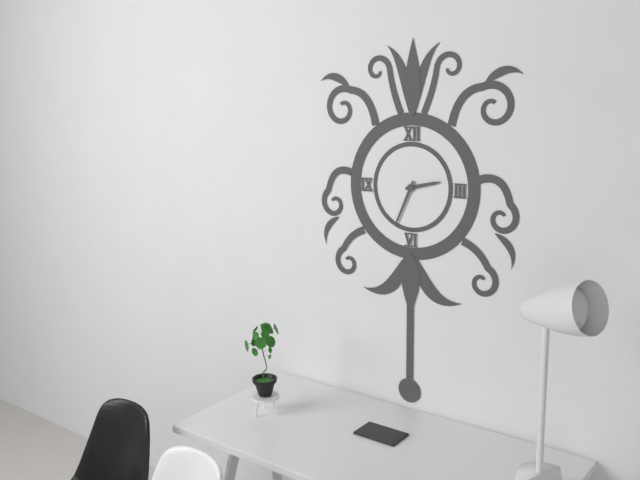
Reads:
h=2 m=34
